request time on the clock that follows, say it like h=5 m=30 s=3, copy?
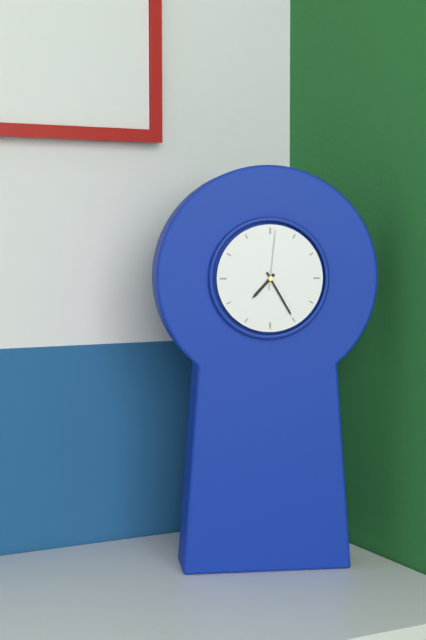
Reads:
h=7 m=25 s=1
